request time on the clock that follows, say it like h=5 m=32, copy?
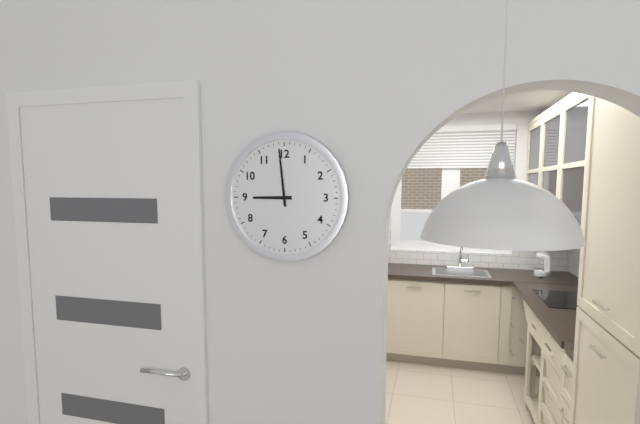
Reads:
h=8 m=59
